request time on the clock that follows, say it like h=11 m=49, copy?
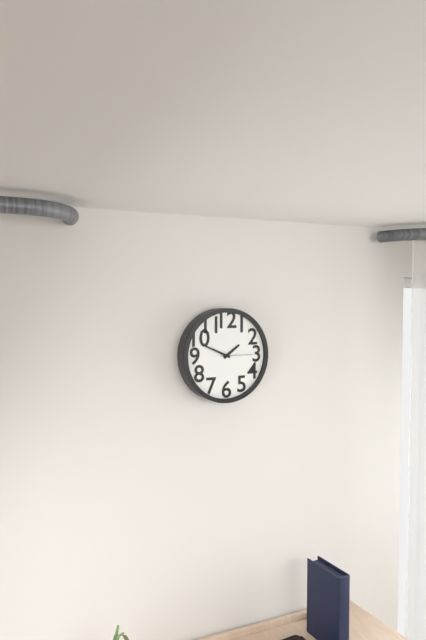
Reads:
h=1 m=49
